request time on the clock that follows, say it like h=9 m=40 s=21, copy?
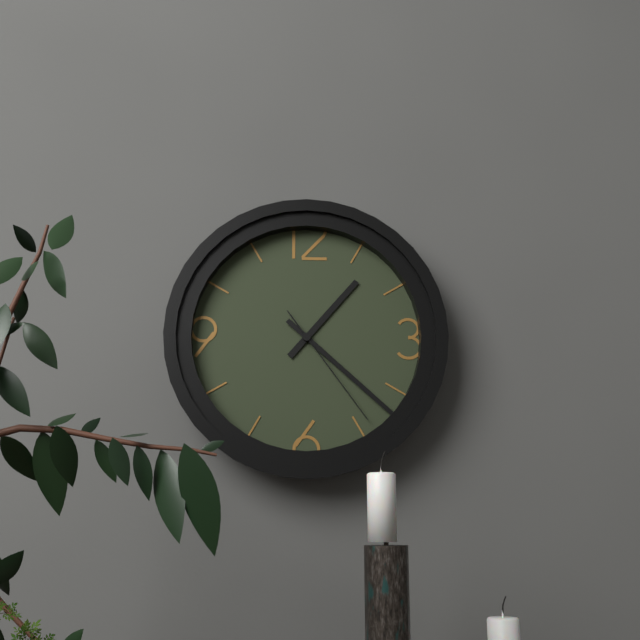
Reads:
h=1 m=22 s=24
